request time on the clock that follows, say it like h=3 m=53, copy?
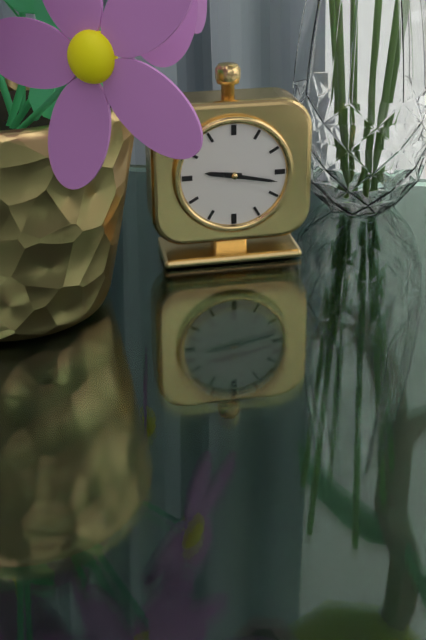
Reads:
h=9 m=17
